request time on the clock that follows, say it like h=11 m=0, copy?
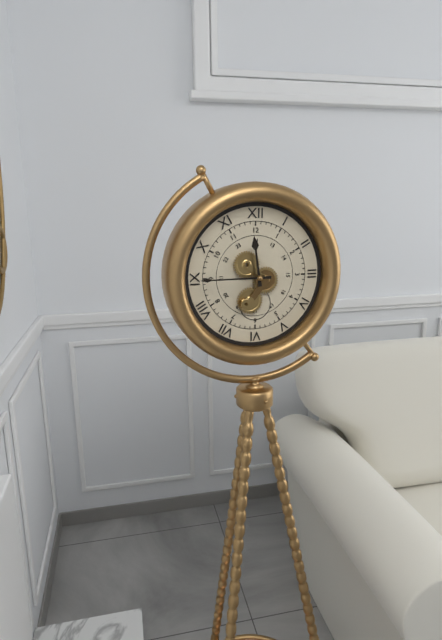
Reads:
h=11 m=45
